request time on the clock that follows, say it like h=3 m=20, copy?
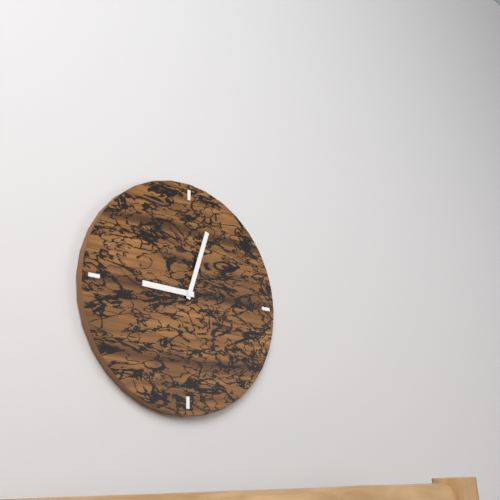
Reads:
h=9 m=3
